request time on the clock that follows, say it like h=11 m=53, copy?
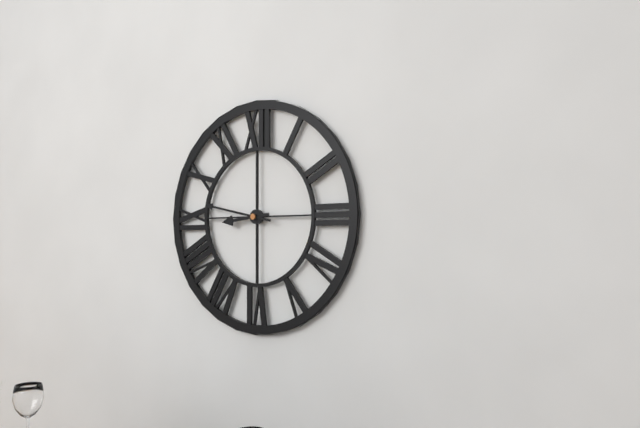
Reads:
h=8 m=47
